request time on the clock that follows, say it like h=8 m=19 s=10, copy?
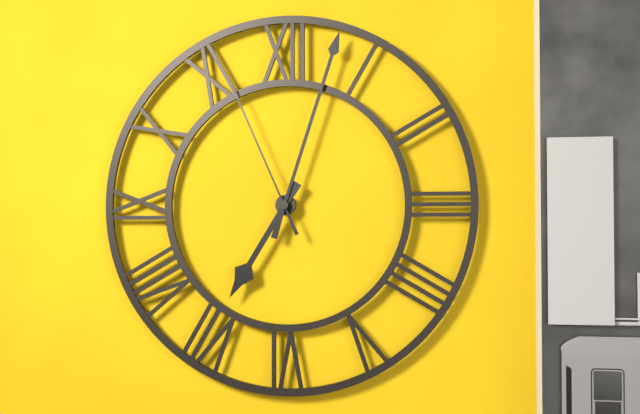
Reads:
h=7 m=3 s=56
